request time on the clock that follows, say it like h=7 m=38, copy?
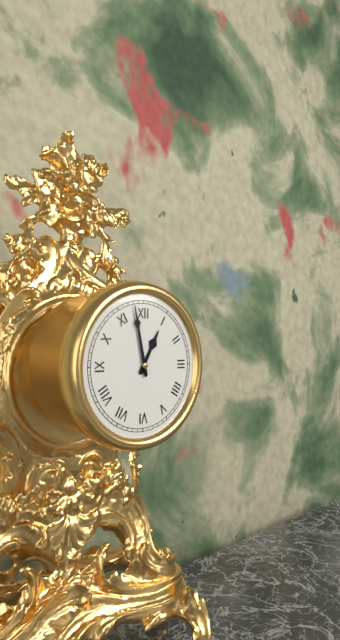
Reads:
h=12 m=58
